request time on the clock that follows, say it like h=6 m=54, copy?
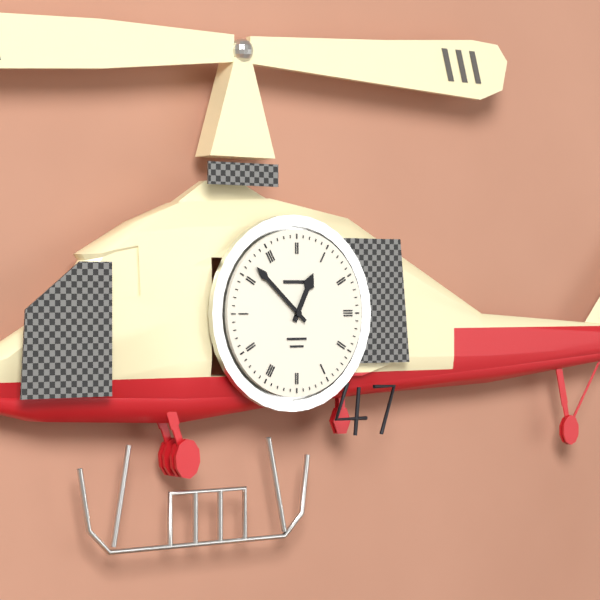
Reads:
h=12 m=52
